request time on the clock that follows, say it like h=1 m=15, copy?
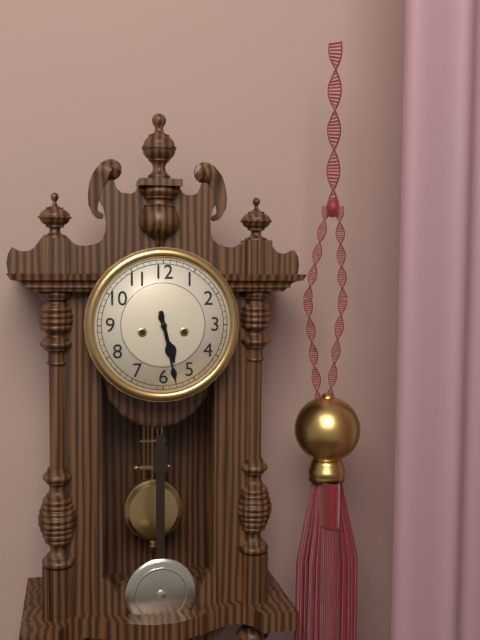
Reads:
h=5 m=28
